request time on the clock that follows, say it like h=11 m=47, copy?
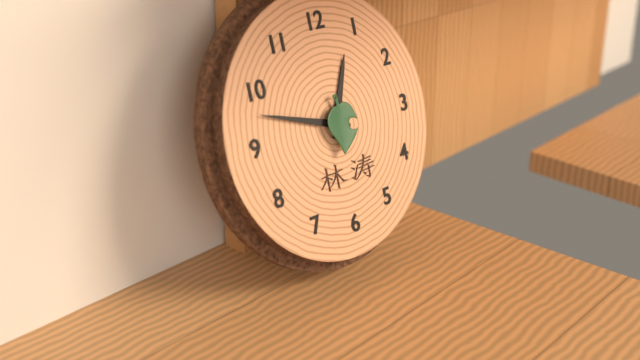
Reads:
h=12 m=48
